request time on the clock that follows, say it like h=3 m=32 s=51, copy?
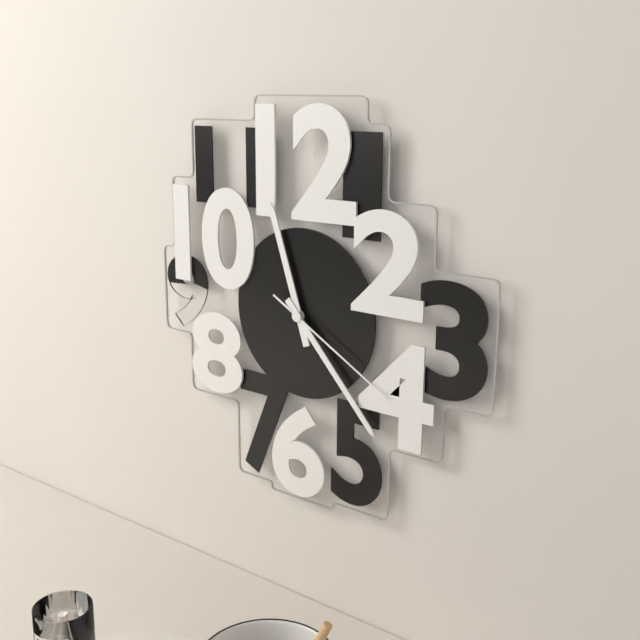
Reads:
h=11 m=23 s=20
